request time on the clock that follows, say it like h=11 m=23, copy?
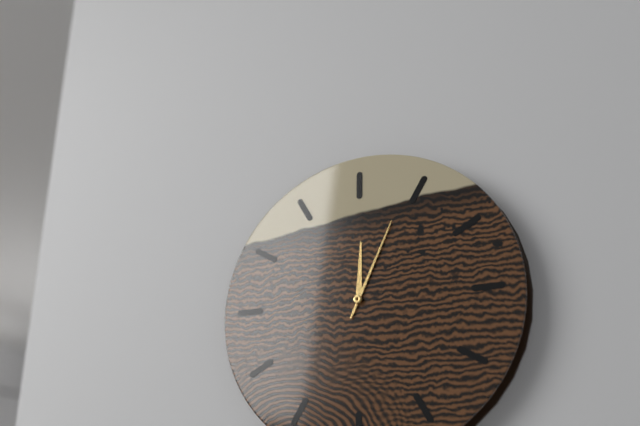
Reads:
h=12 m=4
